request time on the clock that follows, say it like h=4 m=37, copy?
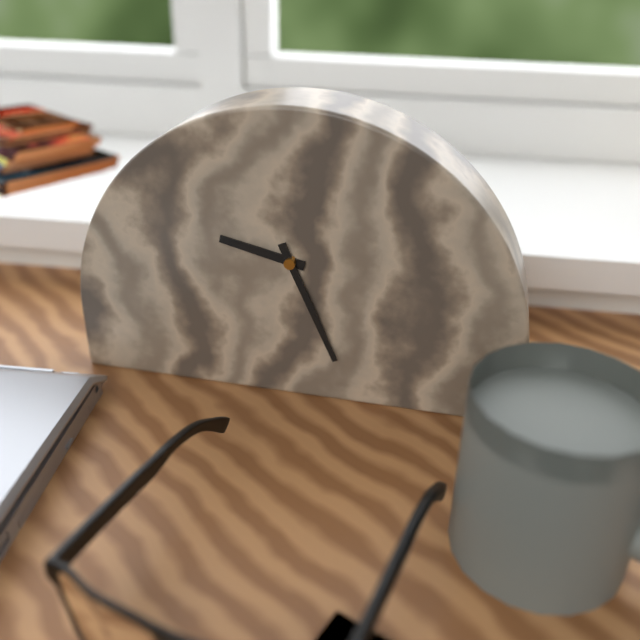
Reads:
h=9 m=26
